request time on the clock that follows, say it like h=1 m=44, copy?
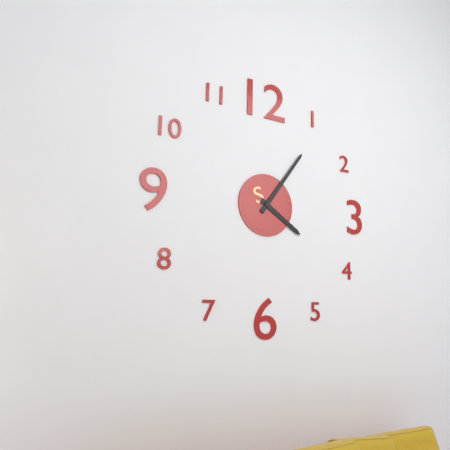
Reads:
h=4 m=6
